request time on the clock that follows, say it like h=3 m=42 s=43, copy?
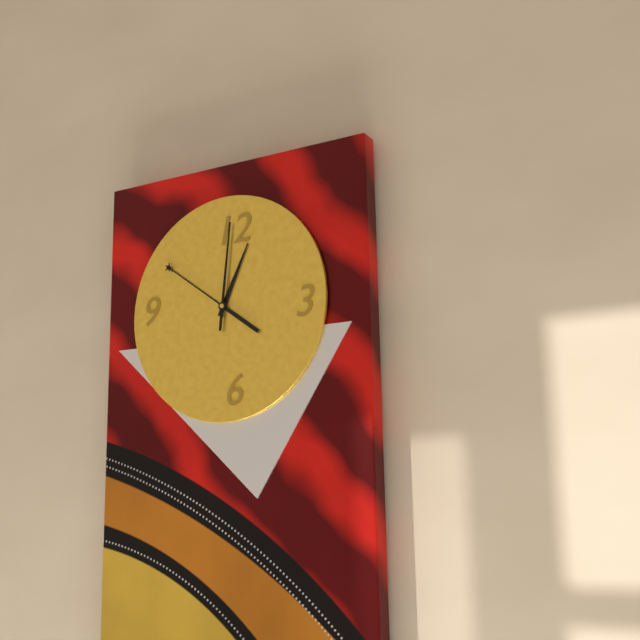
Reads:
h=12 m=51 s=1
